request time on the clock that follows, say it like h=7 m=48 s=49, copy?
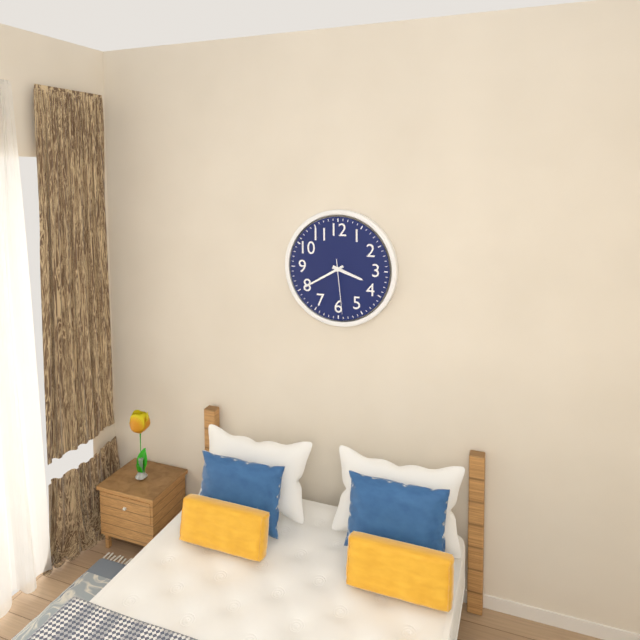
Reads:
h=3 m=40 s=29
